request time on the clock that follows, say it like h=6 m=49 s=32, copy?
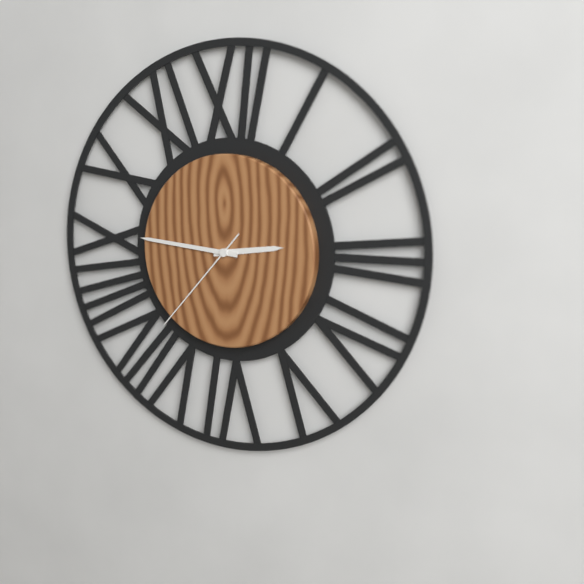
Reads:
h=2 m=46 s=37
